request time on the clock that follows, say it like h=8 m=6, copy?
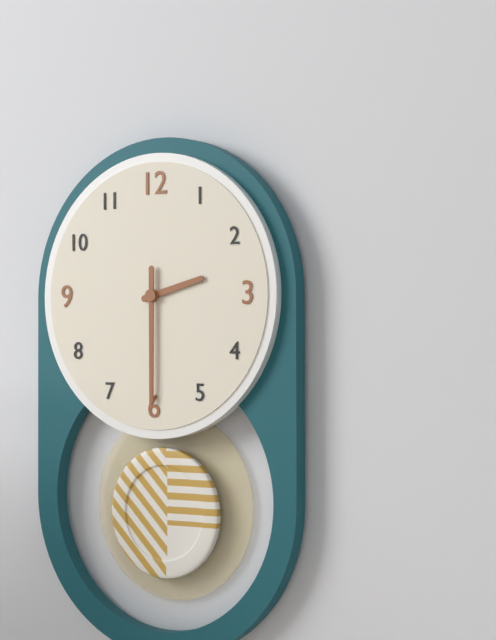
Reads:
h=2 m=30
